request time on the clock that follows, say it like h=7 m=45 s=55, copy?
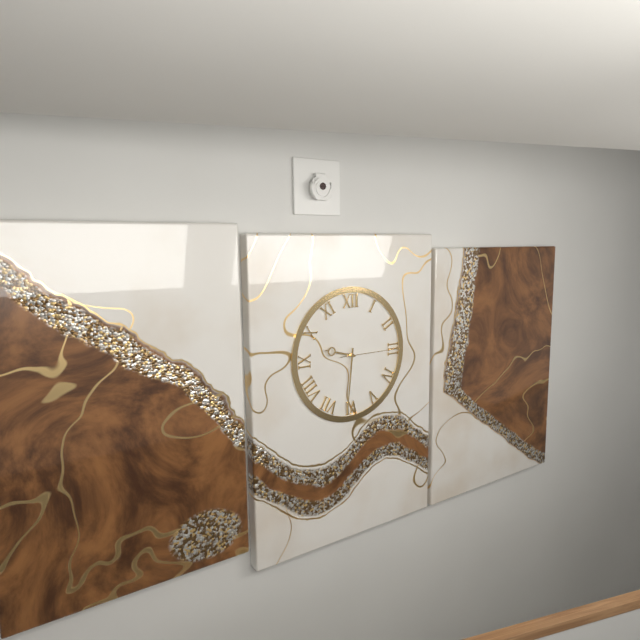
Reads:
h=9 m=31 s=15
